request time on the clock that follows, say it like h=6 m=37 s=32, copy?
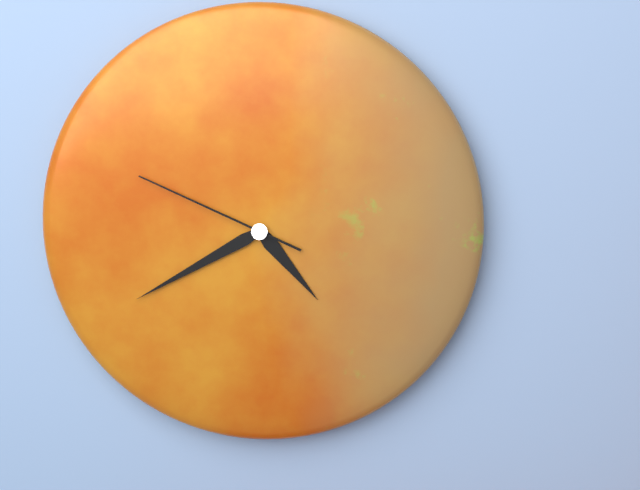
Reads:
h=4 m=40 s=49
